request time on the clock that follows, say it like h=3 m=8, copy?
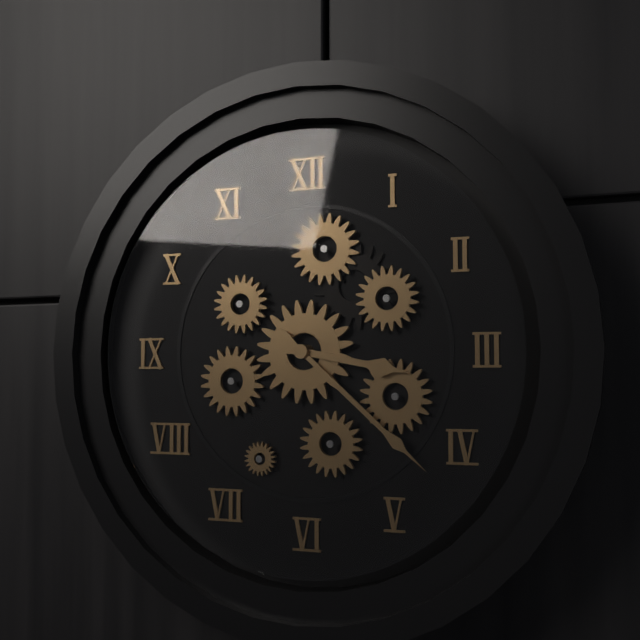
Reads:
h=3 m=22
